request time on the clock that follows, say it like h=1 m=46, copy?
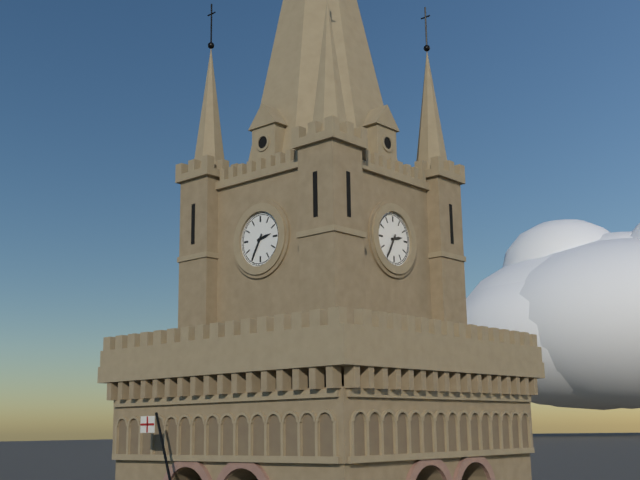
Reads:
h=2 m=35
